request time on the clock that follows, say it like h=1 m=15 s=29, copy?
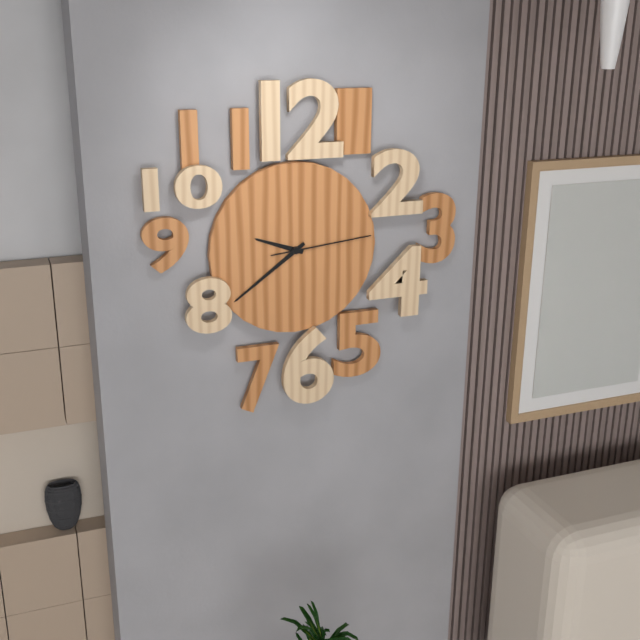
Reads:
h=9 m=39 s=14
